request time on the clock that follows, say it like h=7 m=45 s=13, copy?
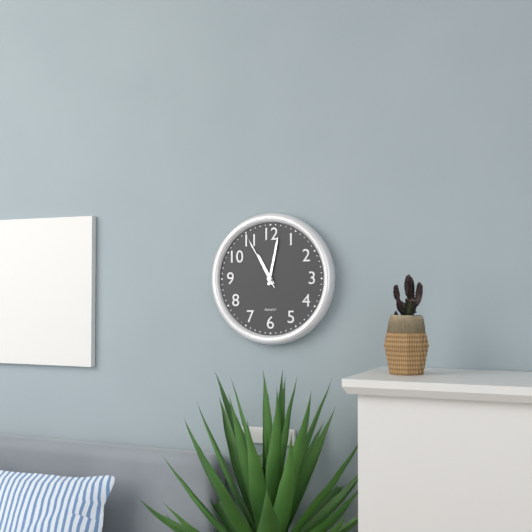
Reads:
h=11 m=2 s=55
